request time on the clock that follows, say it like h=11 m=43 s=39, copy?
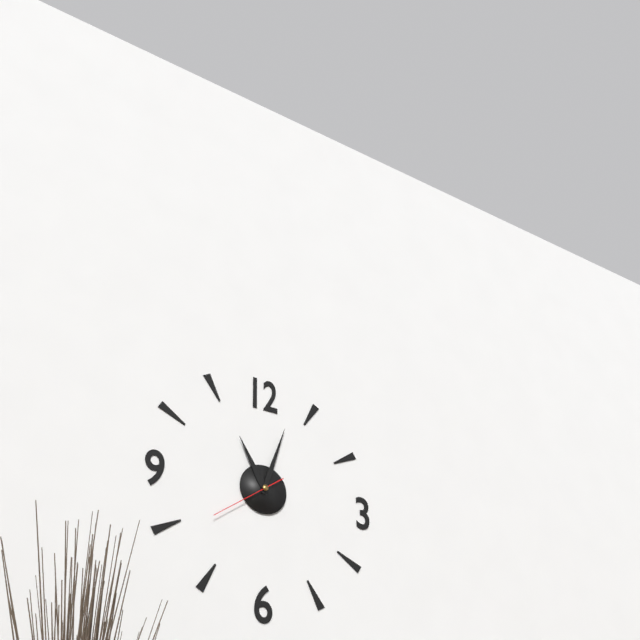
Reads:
h=11 m=3 s=39
